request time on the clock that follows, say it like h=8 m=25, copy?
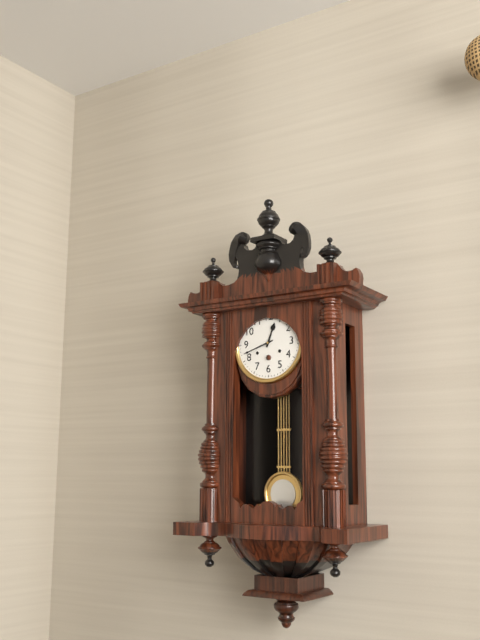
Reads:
h=12 m=42
